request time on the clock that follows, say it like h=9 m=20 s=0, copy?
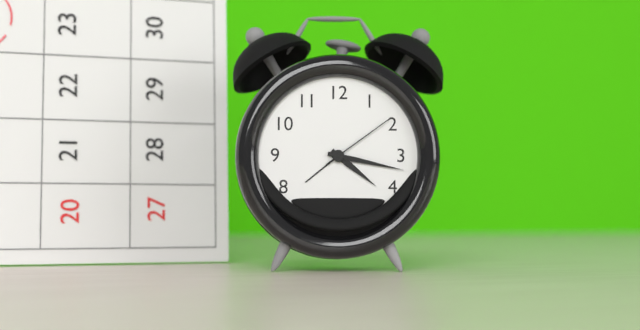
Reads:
h=4 m=17 s=9
